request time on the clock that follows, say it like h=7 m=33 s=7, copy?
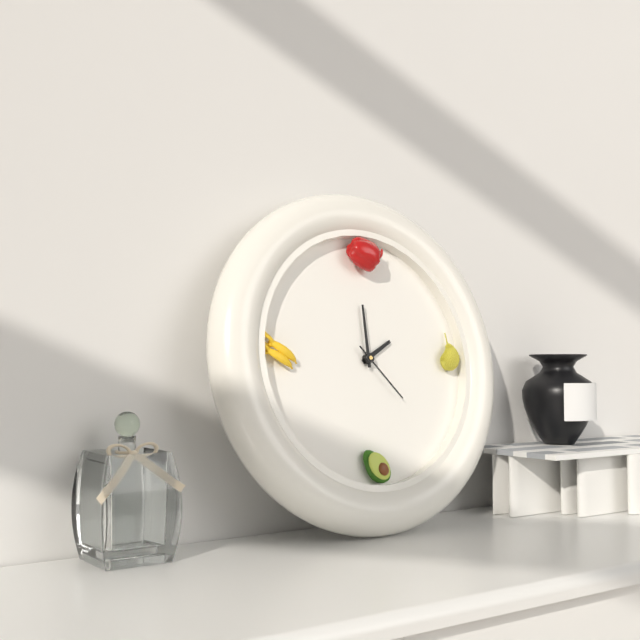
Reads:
h=2 m=0 s=23
